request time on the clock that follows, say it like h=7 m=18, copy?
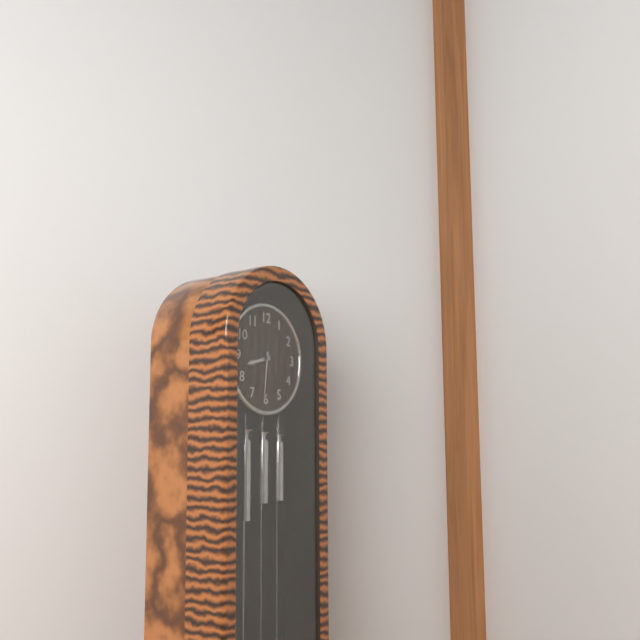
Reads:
h=8 m=31
